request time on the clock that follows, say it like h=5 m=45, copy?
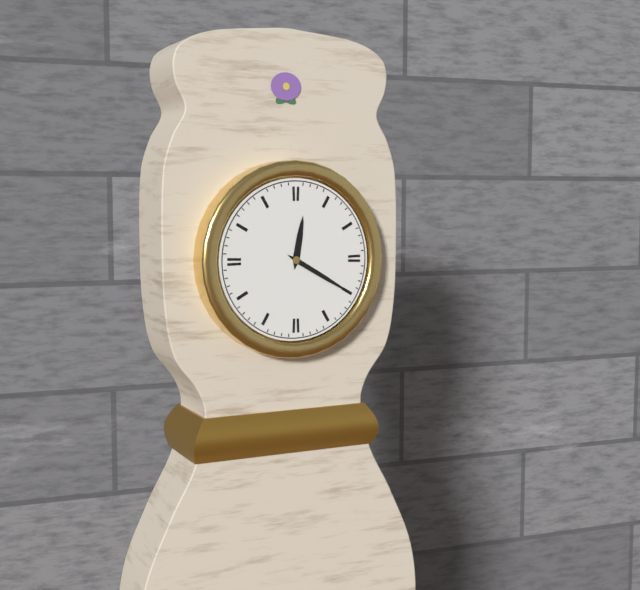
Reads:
h=12 m=20
